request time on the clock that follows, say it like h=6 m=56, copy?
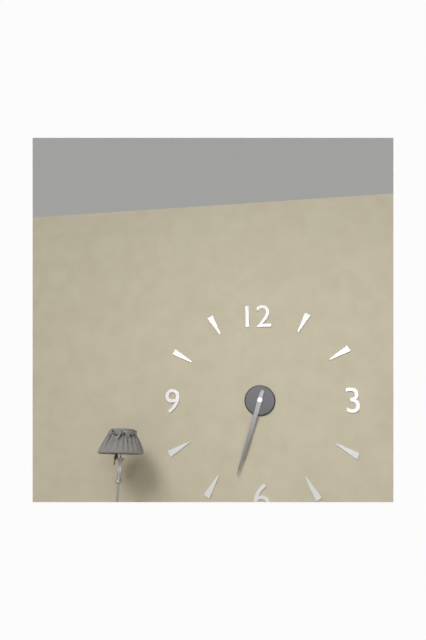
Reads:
h=6 m=33
